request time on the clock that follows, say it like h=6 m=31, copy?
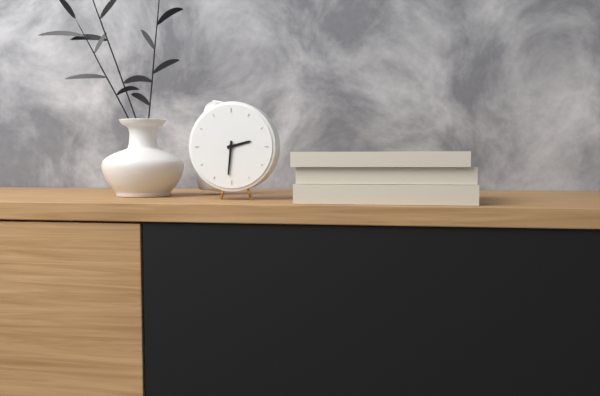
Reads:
h=2 m=31
